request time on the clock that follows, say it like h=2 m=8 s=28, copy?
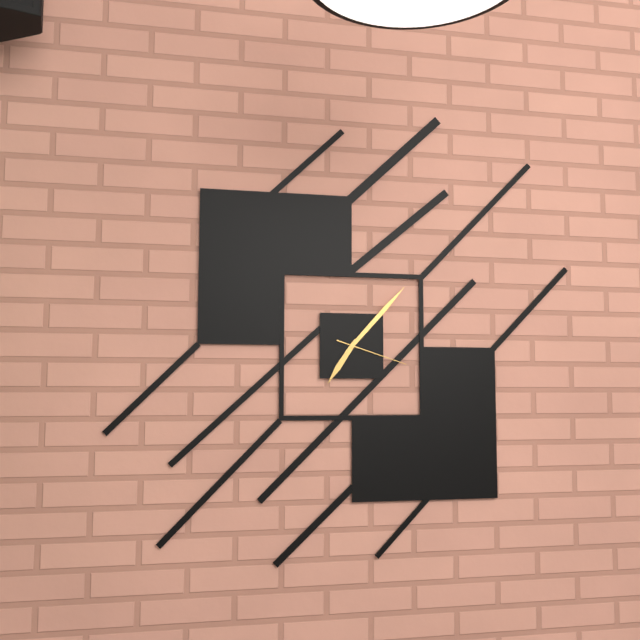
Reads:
h=7 m=7 s=18
